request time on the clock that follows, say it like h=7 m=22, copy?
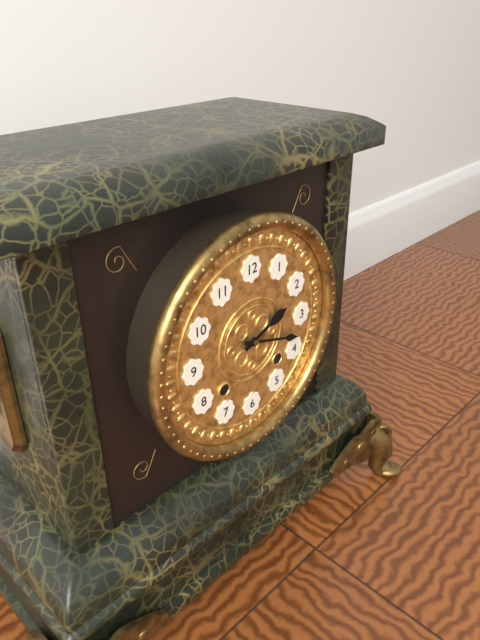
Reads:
h=2 m=18
